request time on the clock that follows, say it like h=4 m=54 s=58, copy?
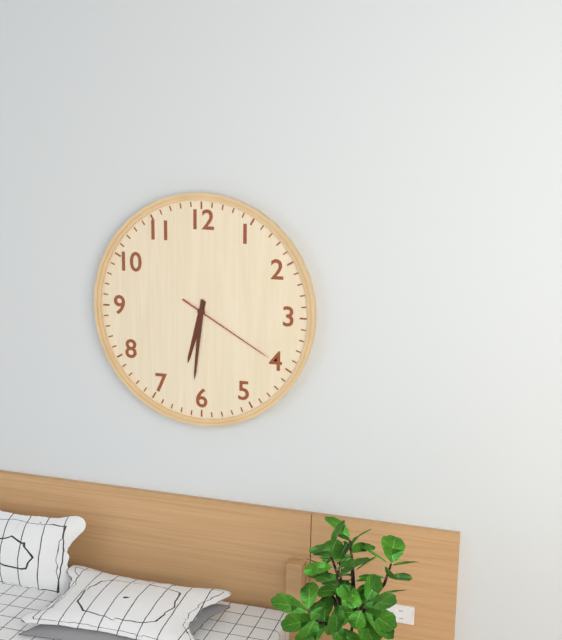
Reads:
h=6 m=31 s=20
